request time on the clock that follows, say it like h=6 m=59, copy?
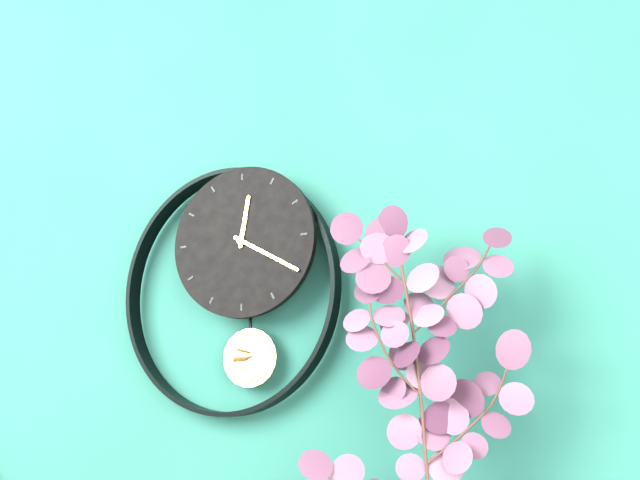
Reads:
h=12 m=20
